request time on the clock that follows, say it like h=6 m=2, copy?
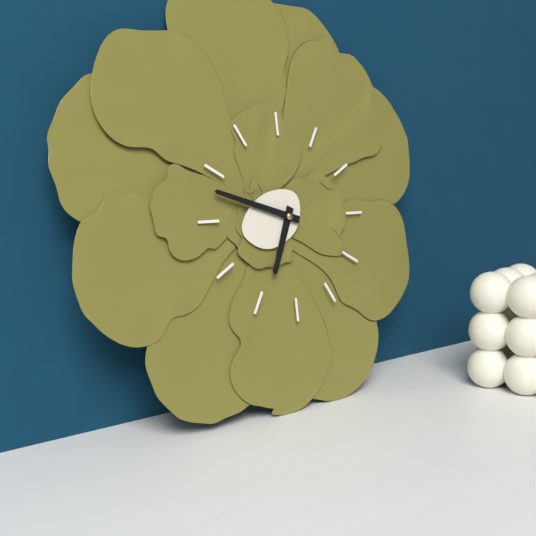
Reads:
h=6 m=48
